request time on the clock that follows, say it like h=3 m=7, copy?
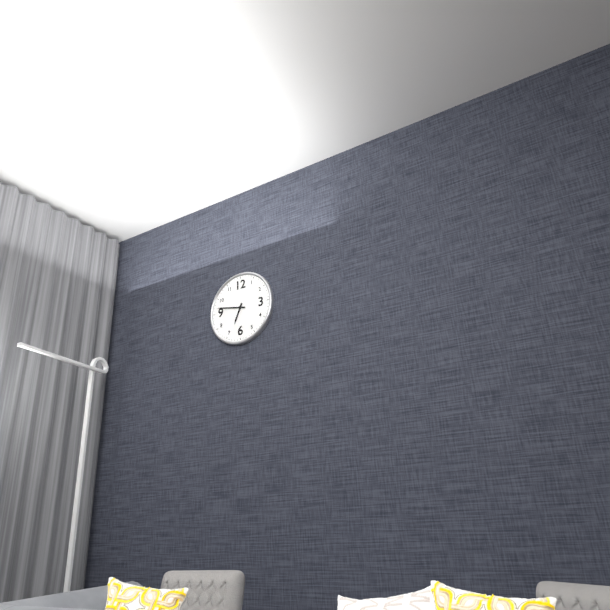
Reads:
h=6 m=47
